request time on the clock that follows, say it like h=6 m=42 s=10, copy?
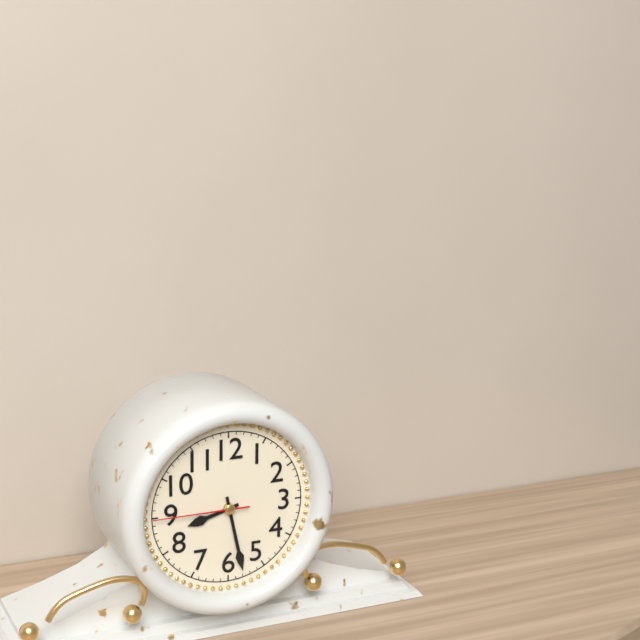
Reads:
h=8 m=28 s=45
